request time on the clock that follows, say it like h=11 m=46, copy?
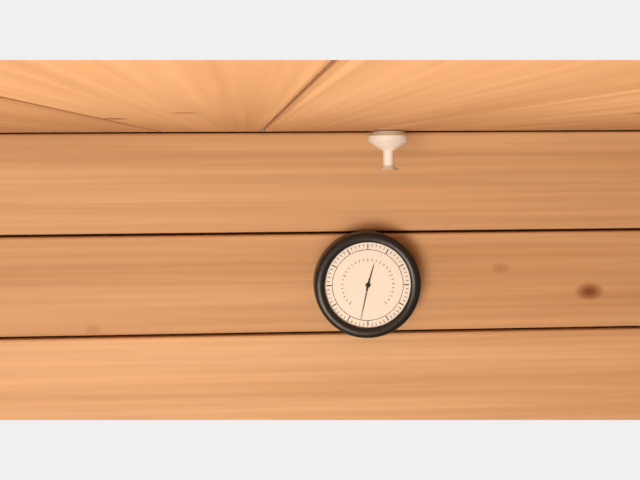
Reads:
h=12 m=32
